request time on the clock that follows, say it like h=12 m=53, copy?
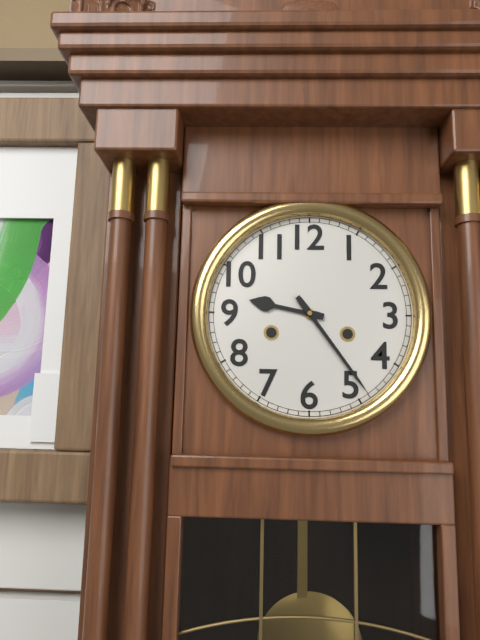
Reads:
h=9 m=24
